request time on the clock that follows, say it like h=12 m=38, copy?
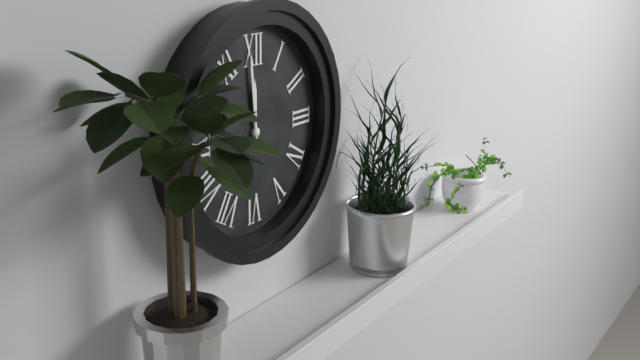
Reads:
h=11 m=59
